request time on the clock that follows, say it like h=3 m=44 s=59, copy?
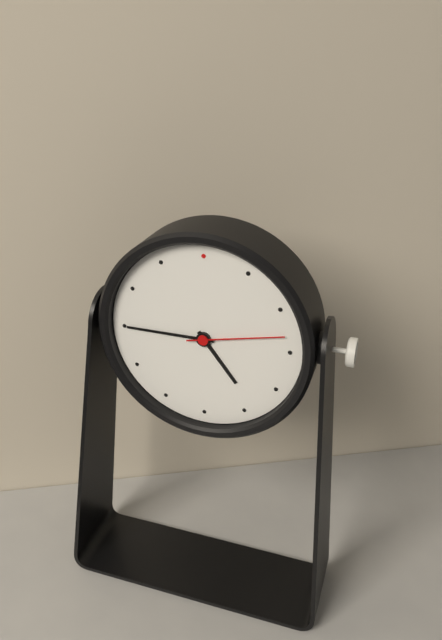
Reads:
h=4 m=45 s=13
